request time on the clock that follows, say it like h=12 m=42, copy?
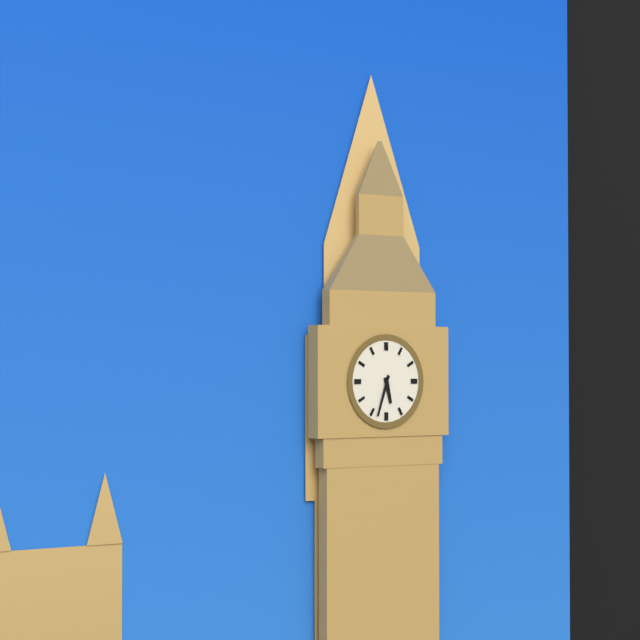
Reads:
h=5 m=33
